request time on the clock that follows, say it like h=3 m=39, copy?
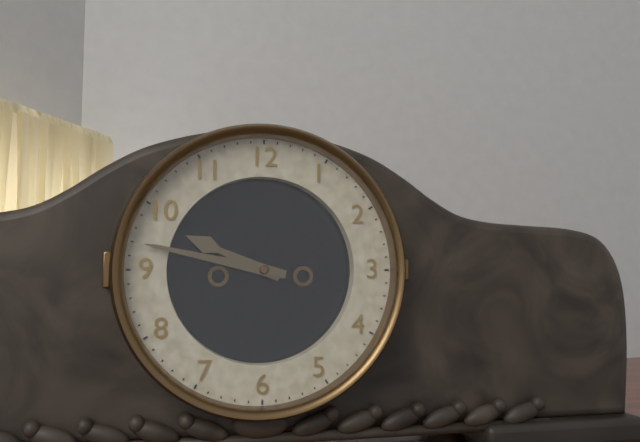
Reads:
h=9 m=47
